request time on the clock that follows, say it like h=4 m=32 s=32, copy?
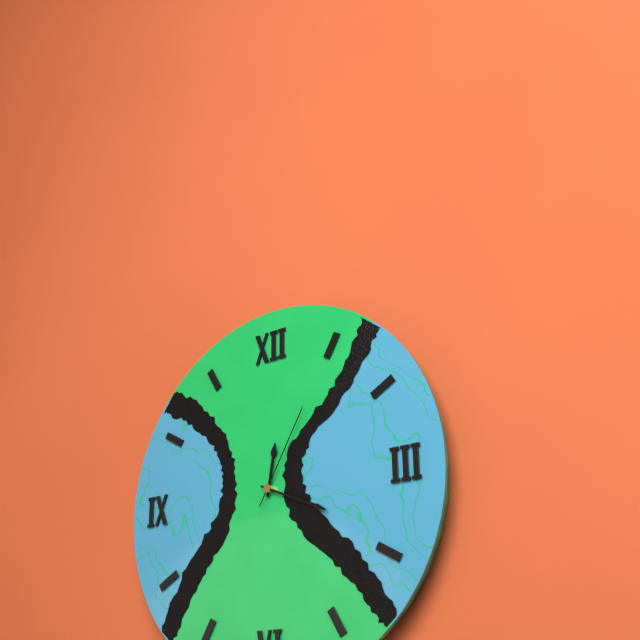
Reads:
h=12 m=19 s=5
